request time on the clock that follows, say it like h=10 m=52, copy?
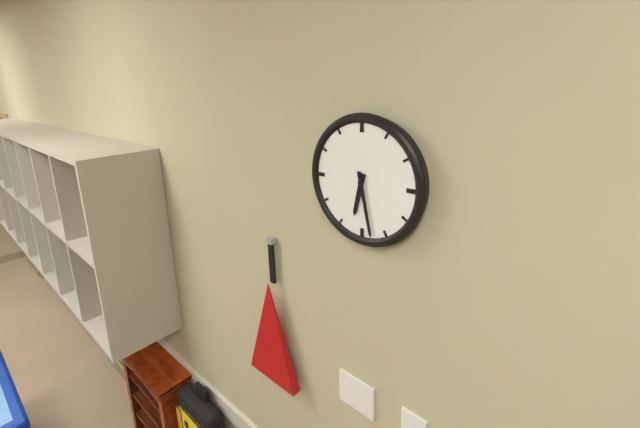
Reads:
h=6 m=28
